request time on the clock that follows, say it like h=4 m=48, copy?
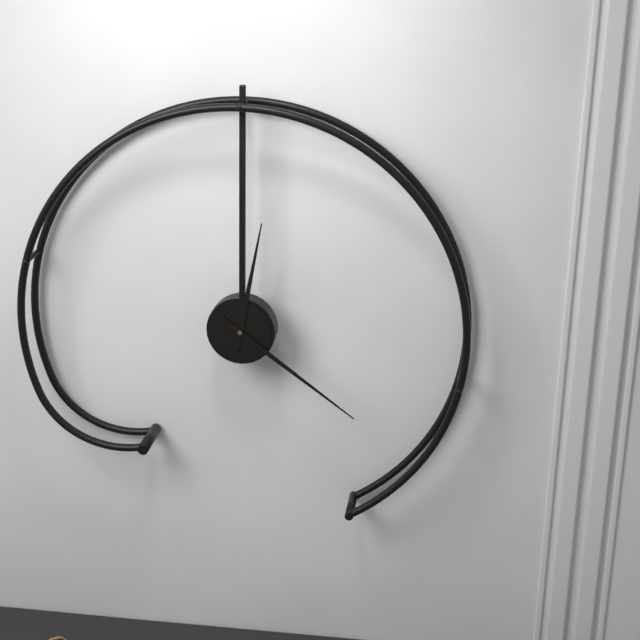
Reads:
h=12 m=21
